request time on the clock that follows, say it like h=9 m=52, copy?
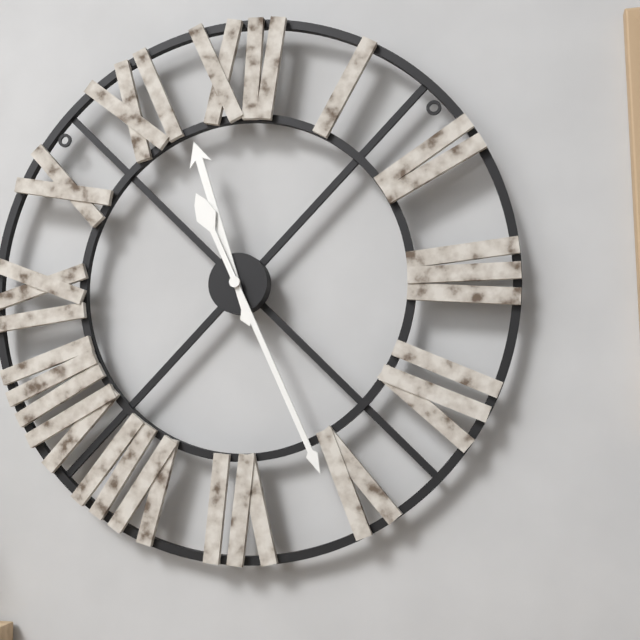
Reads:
h=11 m=26
